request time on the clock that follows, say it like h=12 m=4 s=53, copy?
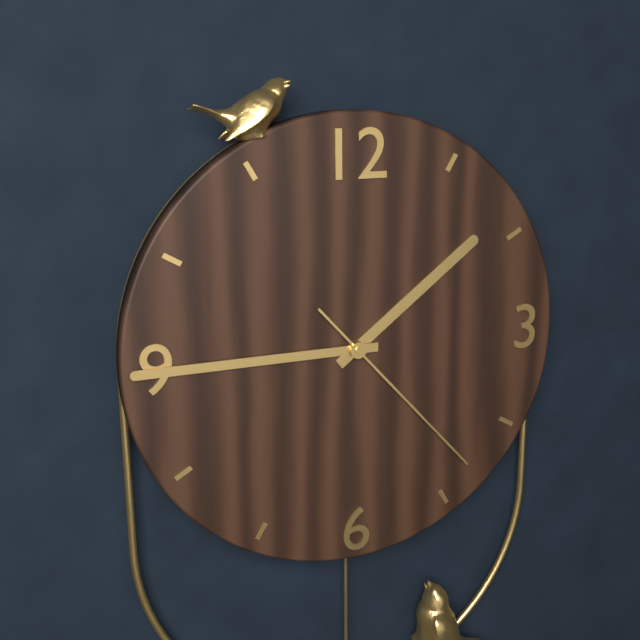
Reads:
h=1 m=45 s=23
